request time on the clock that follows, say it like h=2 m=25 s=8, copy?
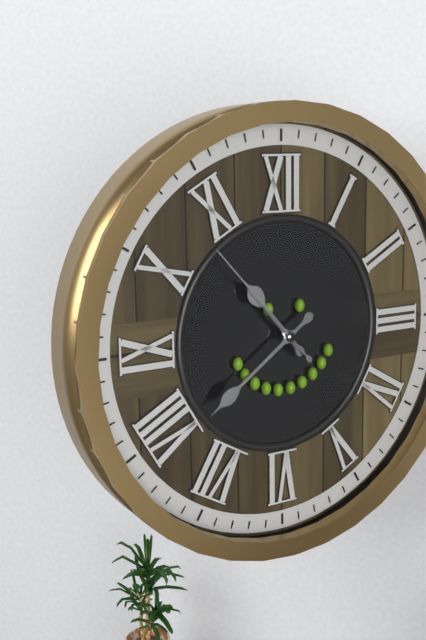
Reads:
h=10 m=39 s=53
